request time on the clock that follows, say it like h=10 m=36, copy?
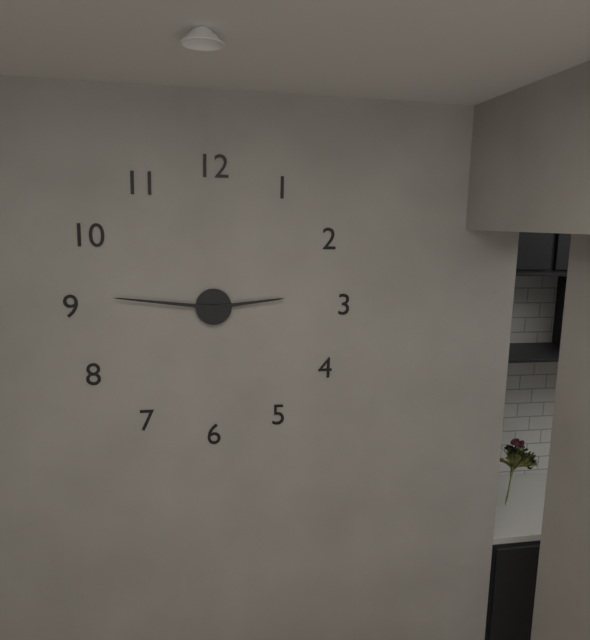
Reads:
h=2 m=46
